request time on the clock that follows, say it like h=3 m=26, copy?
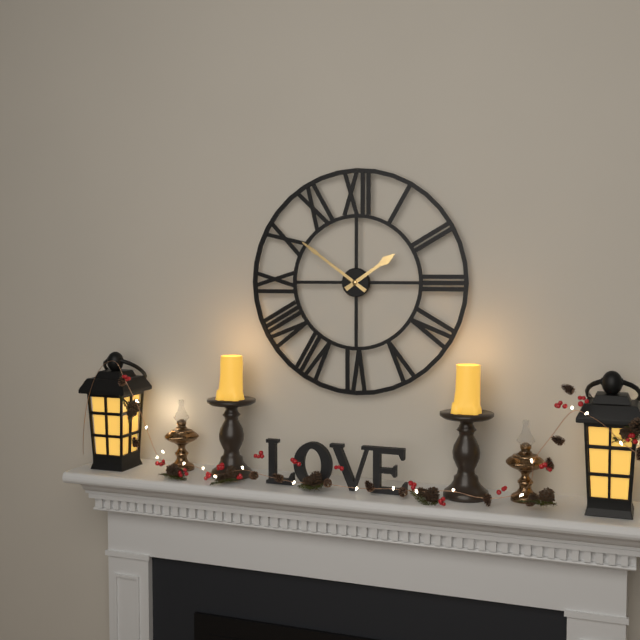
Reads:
h=1 m=51
